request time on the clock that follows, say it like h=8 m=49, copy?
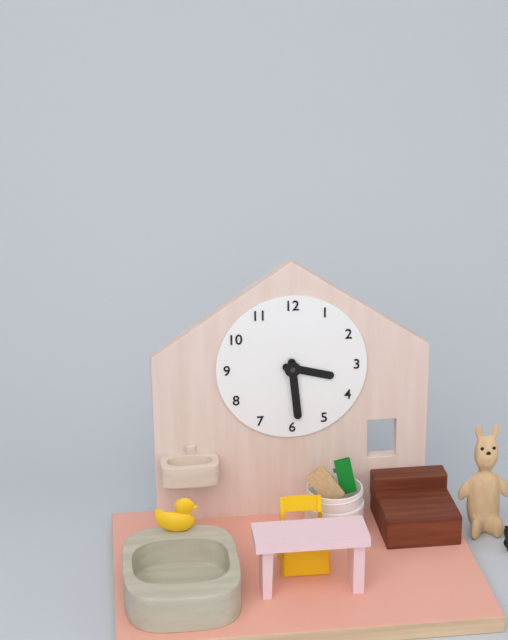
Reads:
h=3 m=29
